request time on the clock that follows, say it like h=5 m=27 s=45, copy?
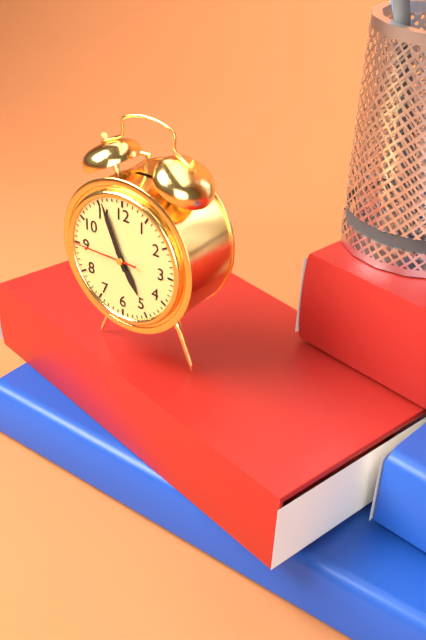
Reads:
h=4 m=56 s=45
